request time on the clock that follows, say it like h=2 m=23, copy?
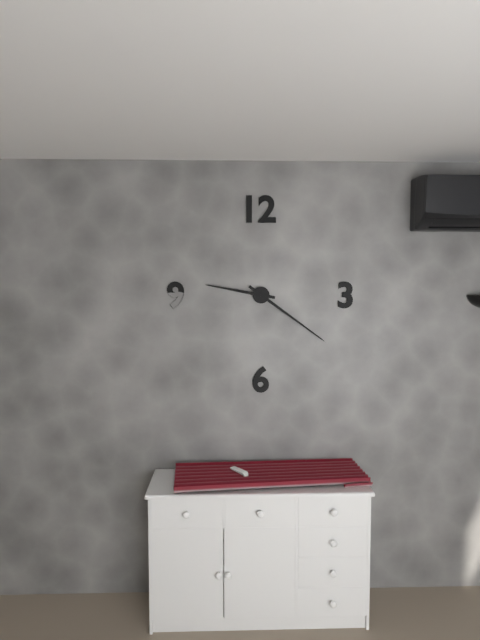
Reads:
h=9 m=21
